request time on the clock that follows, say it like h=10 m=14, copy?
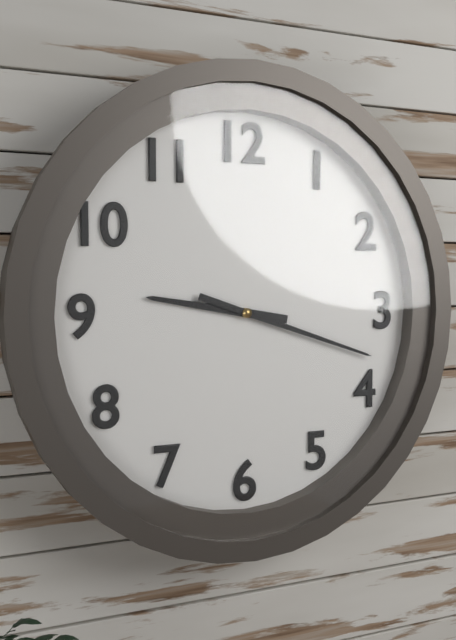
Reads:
h=9 m=18
